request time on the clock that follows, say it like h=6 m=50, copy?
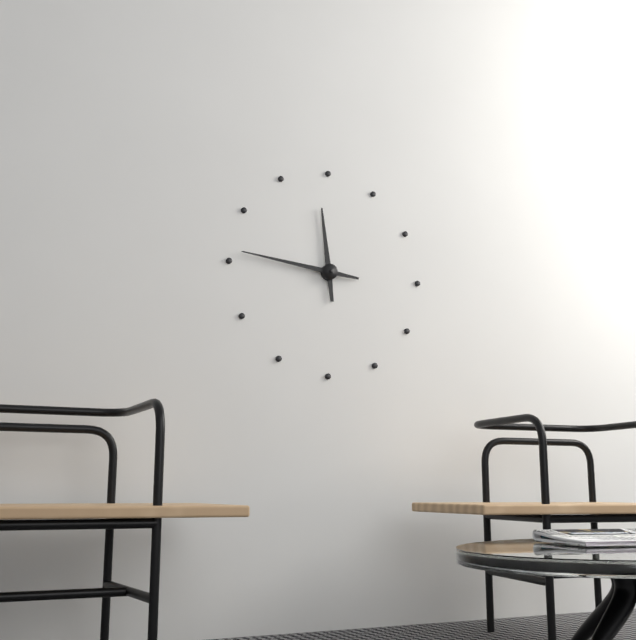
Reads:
h=11 m=46
